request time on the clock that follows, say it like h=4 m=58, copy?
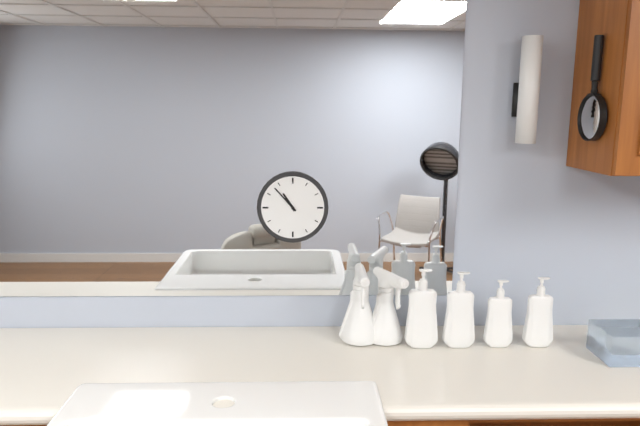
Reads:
h=10 m=53
